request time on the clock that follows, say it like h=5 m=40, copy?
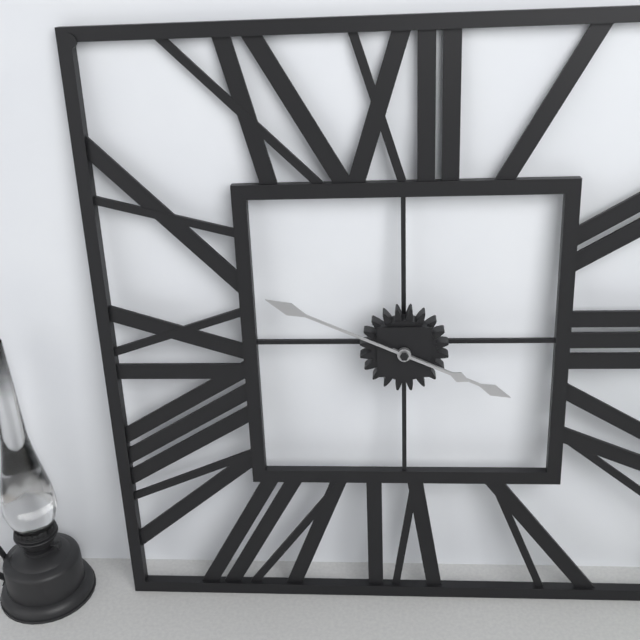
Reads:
h=3 m=49
